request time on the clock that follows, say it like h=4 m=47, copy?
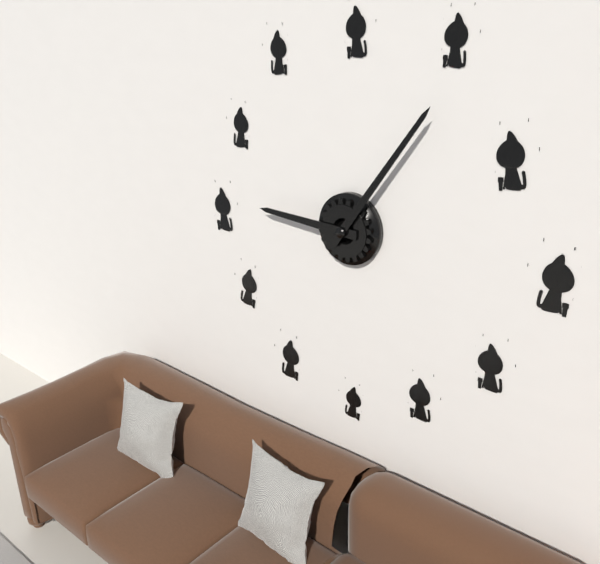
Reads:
h=9 m=6
